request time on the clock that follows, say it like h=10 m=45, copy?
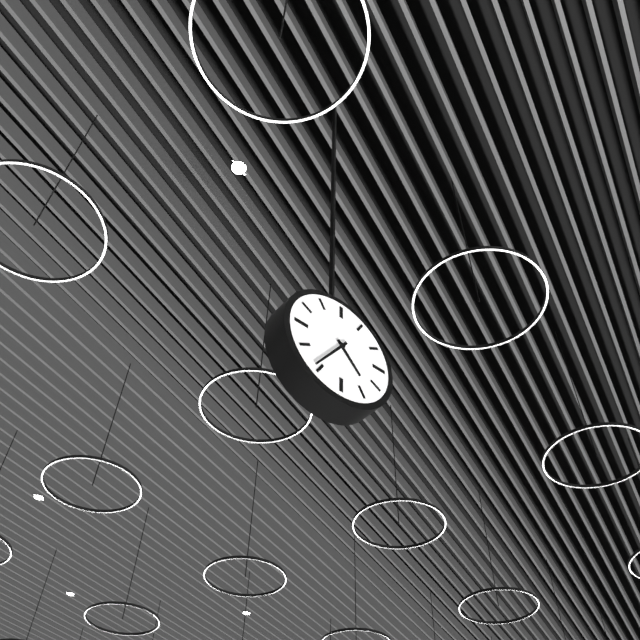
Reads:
h=4 m=36
